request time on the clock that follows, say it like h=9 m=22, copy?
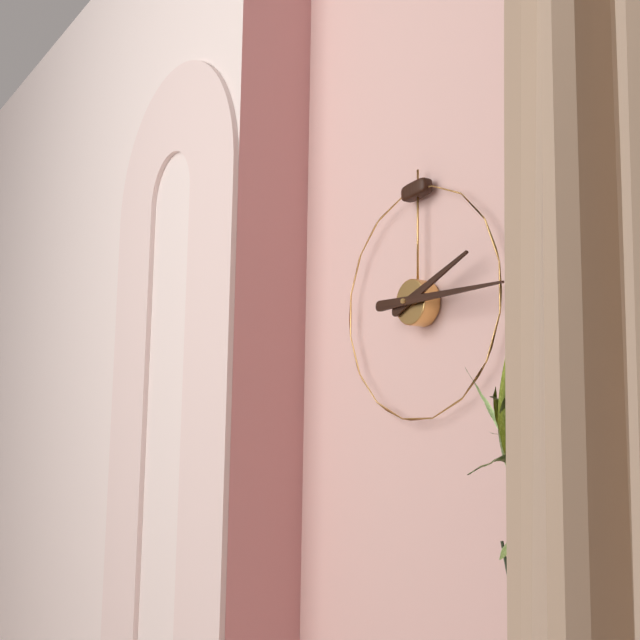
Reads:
h=2 m=15
